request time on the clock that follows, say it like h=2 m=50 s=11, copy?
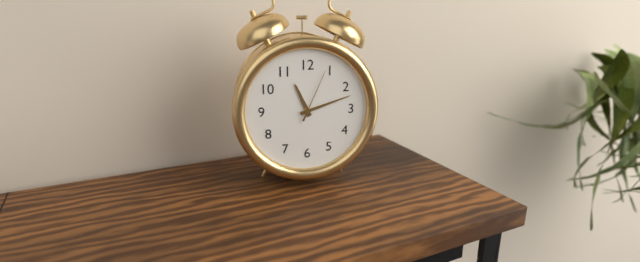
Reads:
h=11 m=12 s=4
